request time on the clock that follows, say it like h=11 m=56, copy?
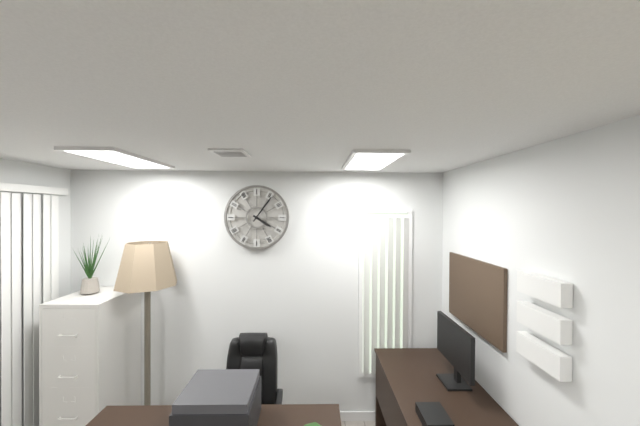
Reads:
h=4 m=6
